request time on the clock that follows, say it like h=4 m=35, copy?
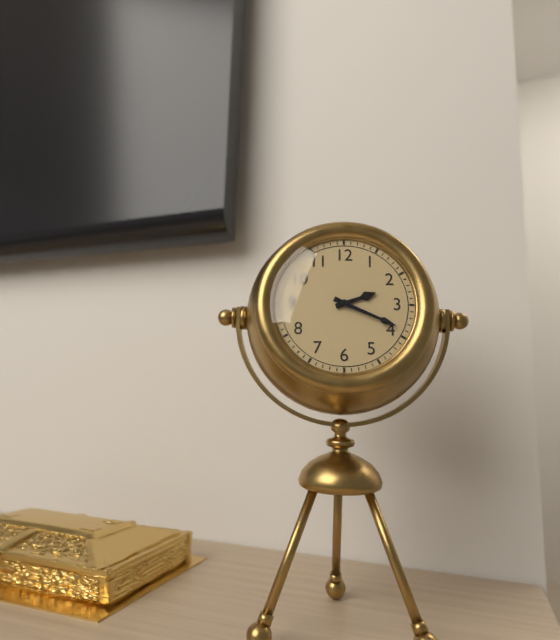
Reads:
h=2 m=19
